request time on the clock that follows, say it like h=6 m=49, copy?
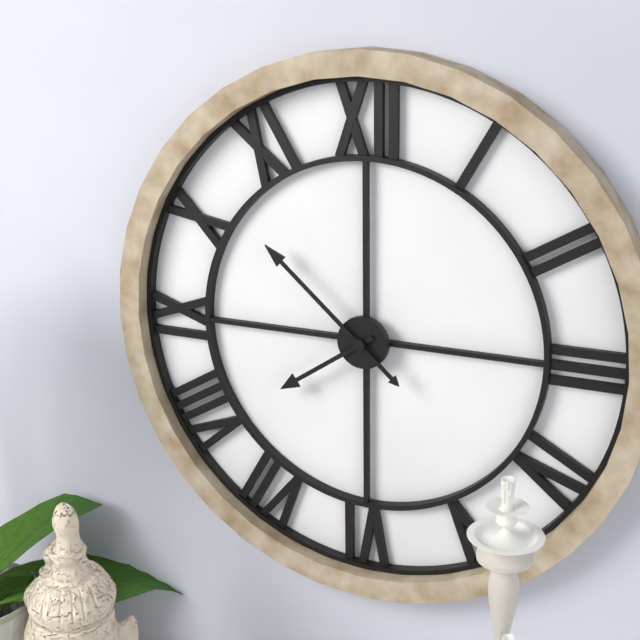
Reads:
h=7 m=52
